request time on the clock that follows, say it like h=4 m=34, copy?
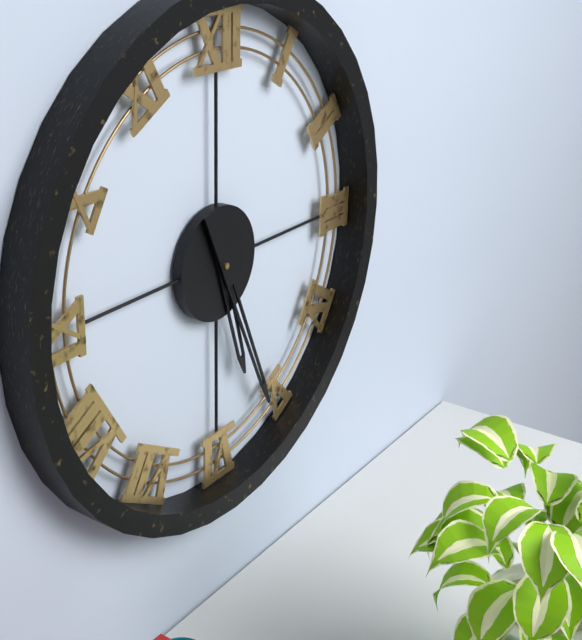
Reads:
h=5 m=26
